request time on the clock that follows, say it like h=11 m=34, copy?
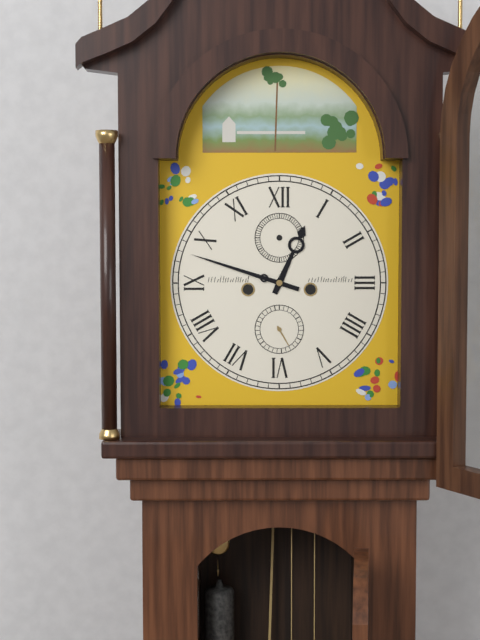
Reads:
h=12 m=48
